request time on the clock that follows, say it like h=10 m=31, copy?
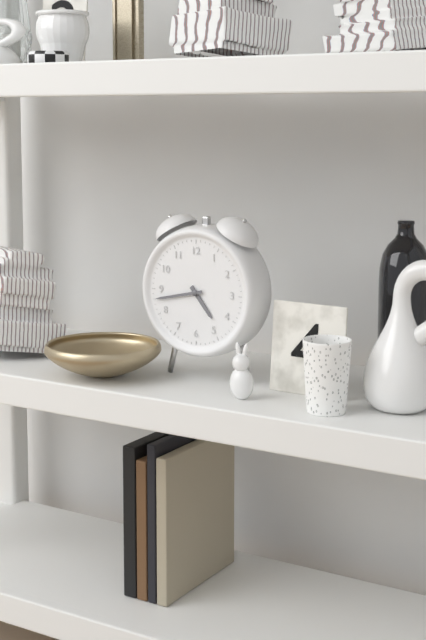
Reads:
h=4 m=43
